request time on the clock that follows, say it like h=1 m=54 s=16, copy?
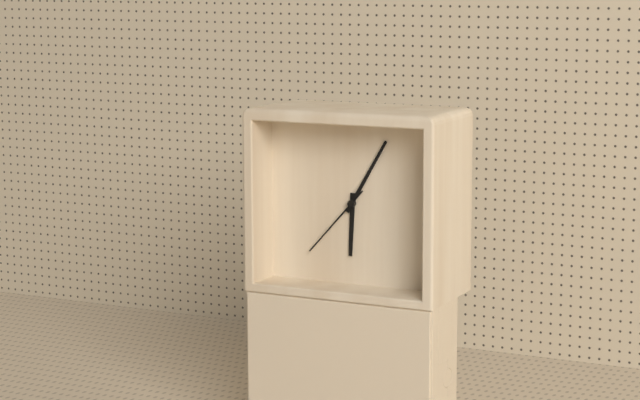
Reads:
h=6 m=5 s=37
